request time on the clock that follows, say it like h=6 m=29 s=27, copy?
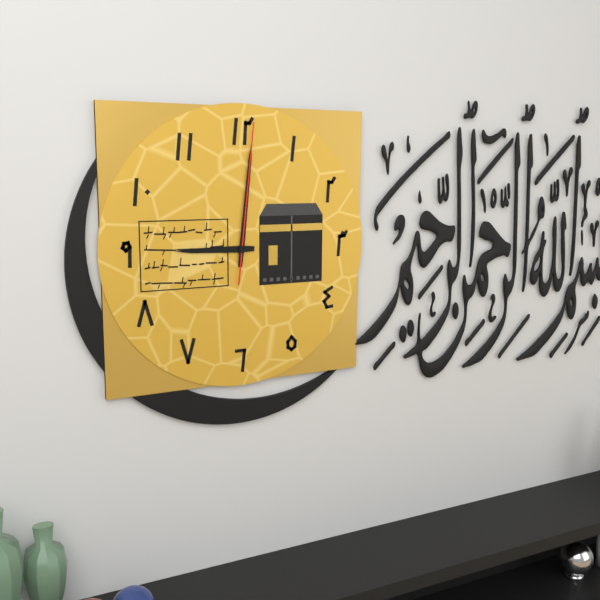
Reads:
h=9 m=1 s=1
